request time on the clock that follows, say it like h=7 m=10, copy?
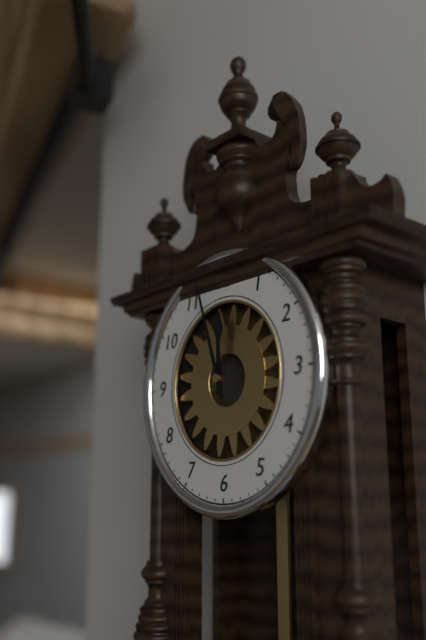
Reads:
h=11 m=57
